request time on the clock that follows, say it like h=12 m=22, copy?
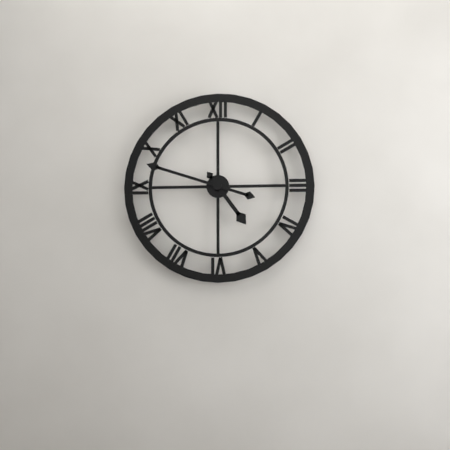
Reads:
h=4 m=48
